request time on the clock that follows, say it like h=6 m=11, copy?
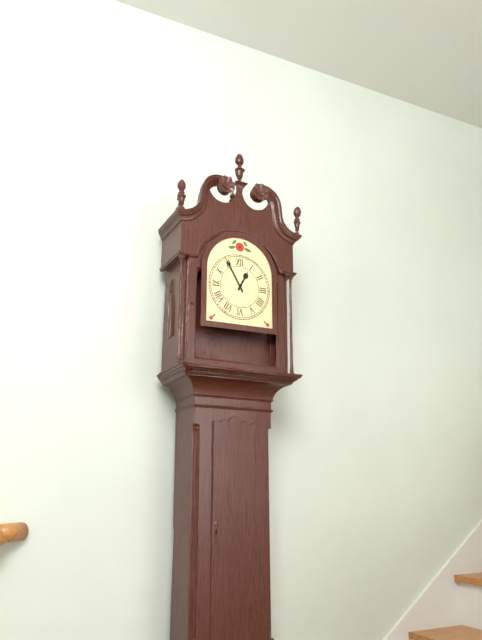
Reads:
h=12 m=55
